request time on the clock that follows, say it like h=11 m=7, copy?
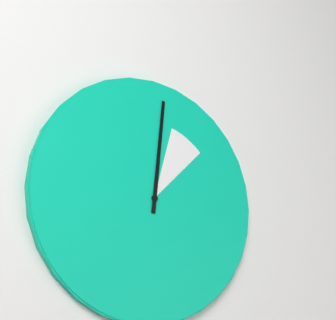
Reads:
h=1 m=1
